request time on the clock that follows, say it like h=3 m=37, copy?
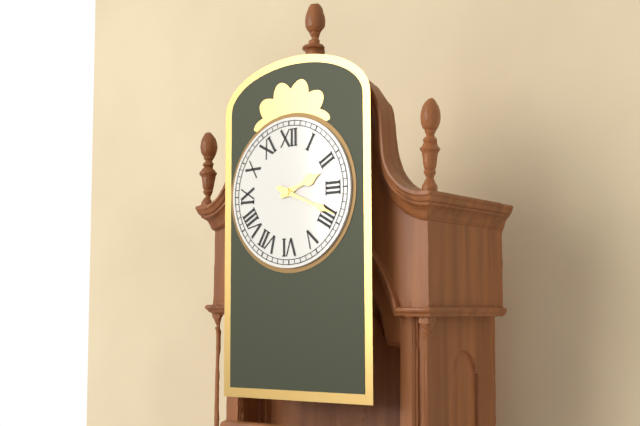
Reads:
h=2 m=19
